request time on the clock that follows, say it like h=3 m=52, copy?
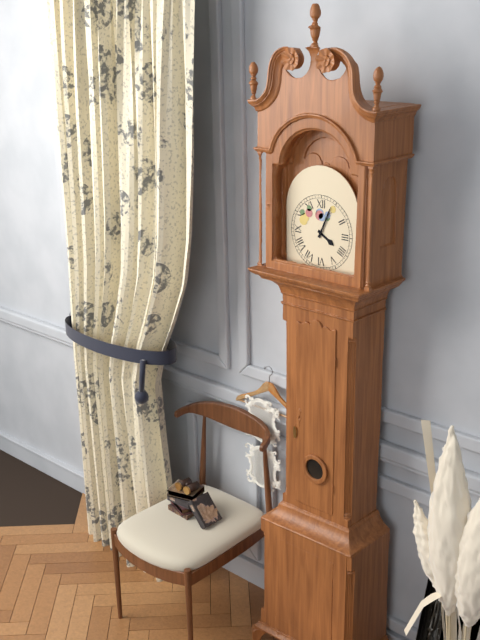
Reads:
h=4 m=4
